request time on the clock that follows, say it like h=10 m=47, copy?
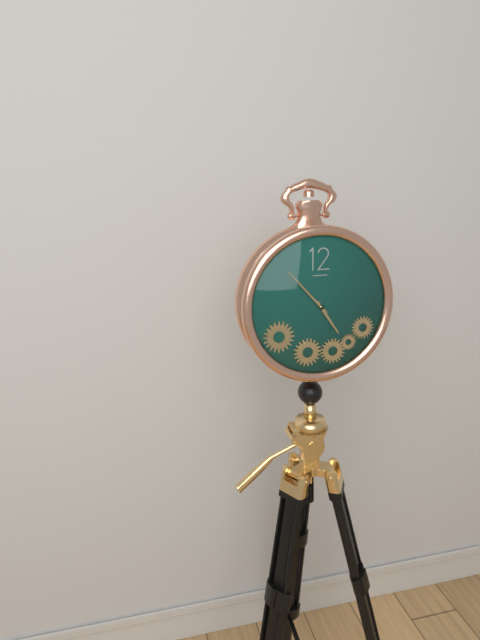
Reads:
h=4 m=53
